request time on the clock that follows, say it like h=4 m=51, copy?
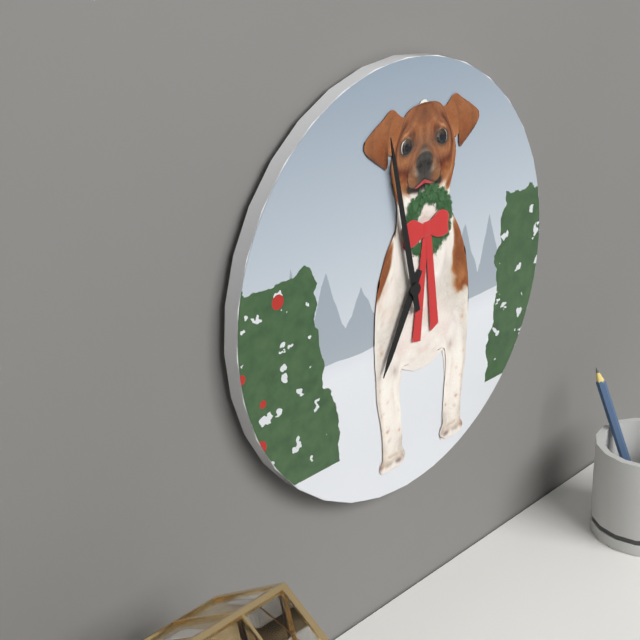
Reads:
h=6 m=58
